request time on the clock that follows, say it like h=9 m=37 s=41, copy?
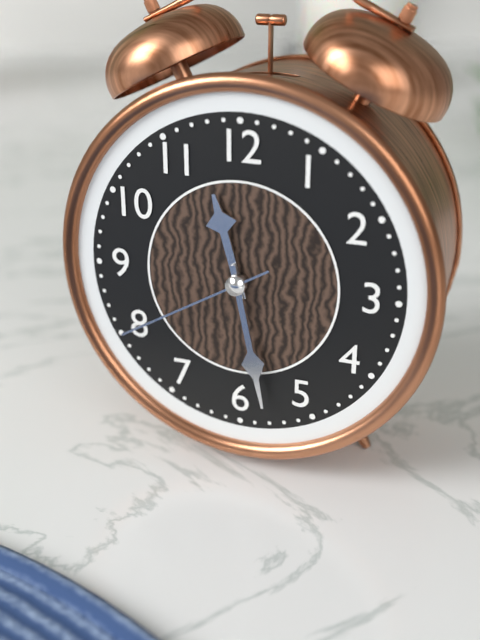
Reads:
h=11 m=28 s=40
